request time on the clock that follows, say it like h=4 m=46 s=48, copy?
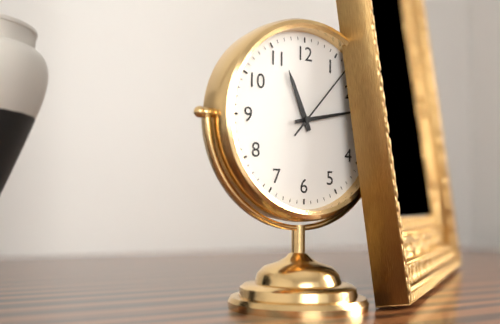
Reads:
h=11 m=13 s=7
